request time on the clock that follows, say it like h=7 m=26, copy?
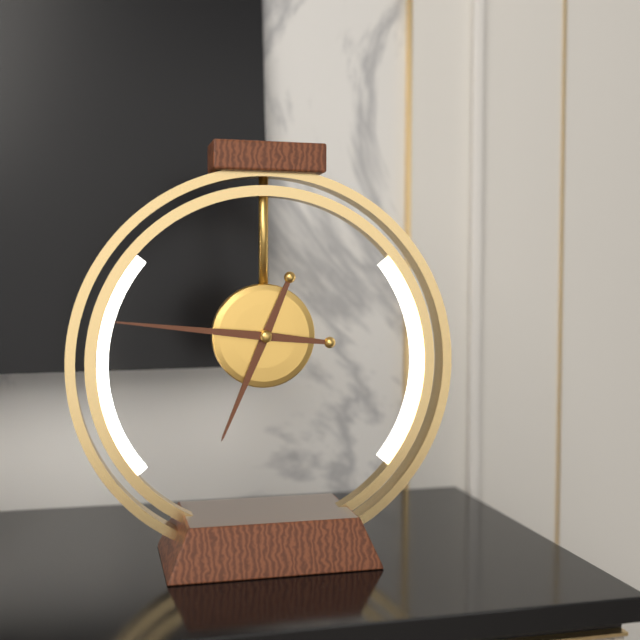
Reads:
h=6 m=46
